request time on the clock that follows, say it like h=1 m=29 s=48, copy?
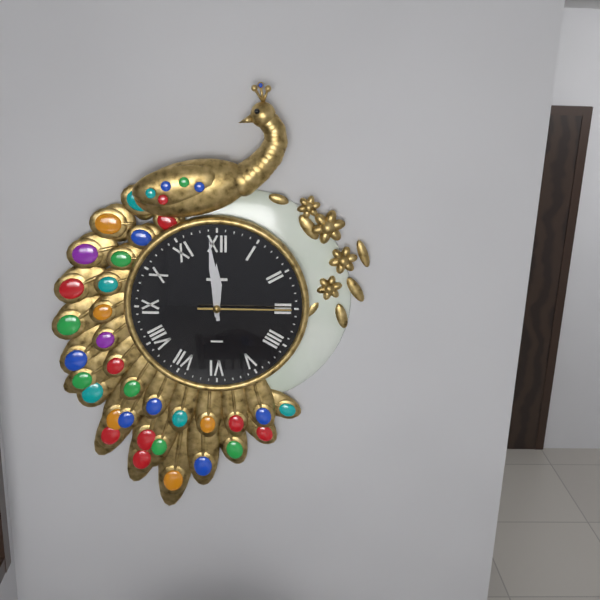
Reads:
h=11 m=59 s=15
